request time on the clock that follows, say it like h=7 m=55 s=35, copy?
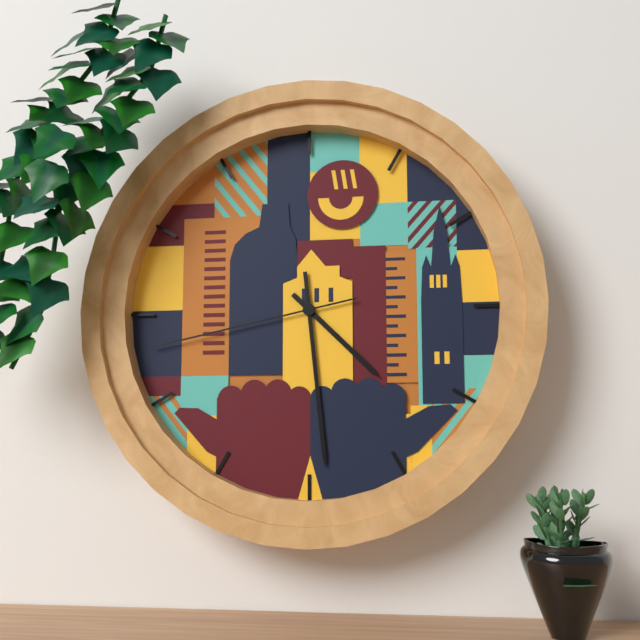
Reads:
h=4 m=29 s=43
